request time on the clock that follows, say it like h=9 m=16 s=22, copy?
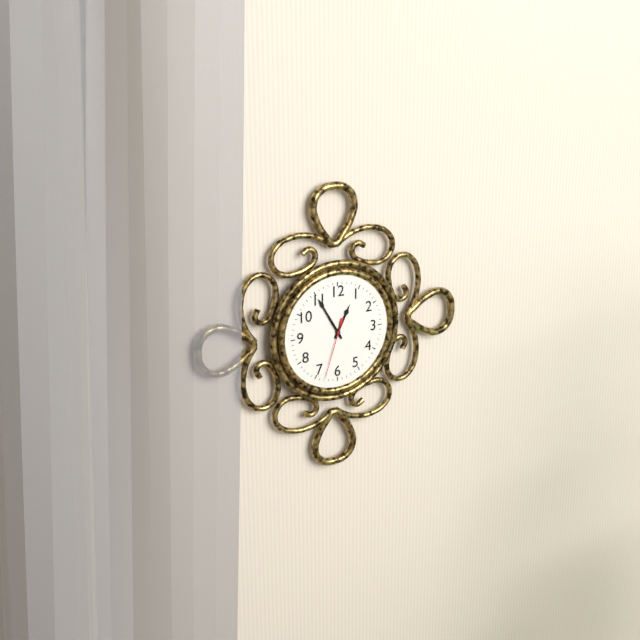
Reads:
h=12 m=55 s=33
